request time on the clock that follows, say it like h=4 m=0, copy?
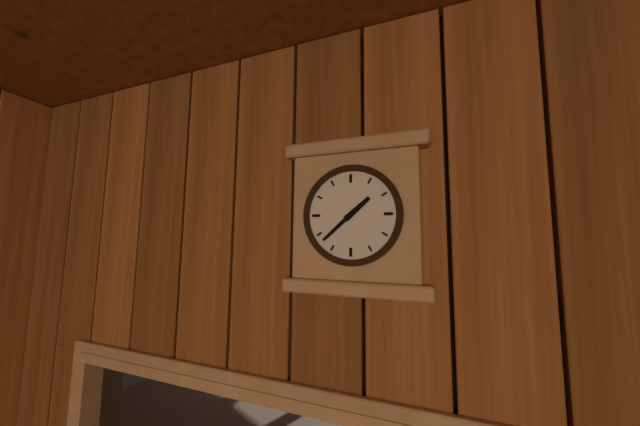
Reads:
h=1 m=38
